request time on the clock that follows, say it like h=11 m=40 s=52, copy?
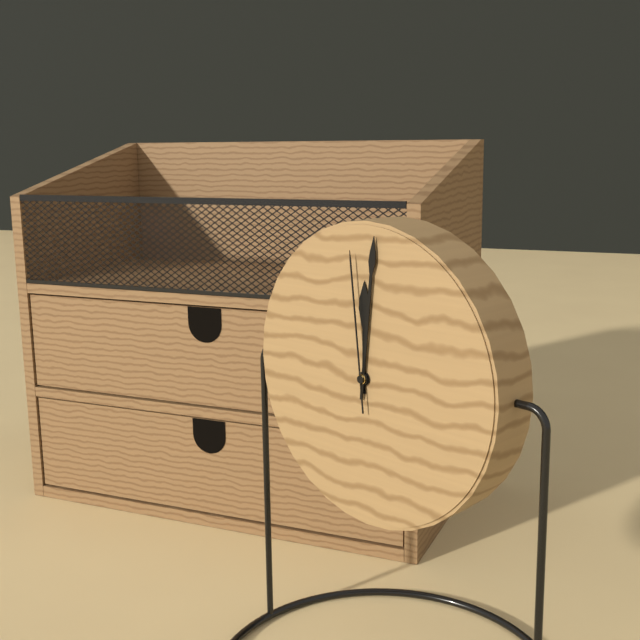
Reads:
h=12 m=1 s=59
